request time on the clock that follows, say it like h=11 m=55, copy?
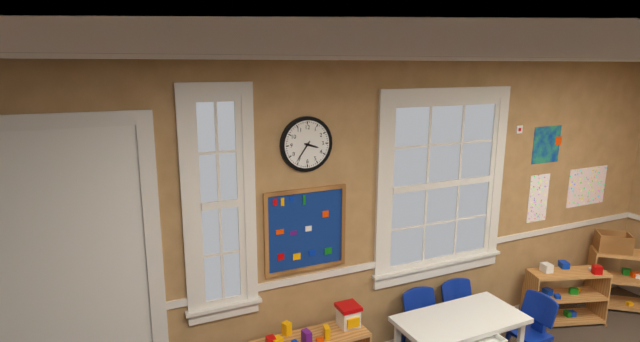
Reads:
h=3 m=36
